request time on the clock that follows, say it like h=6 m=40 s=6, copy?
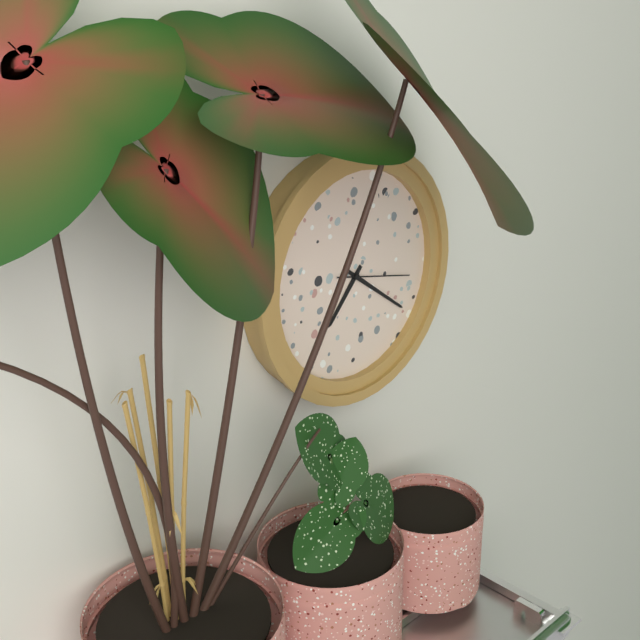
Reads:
h=7 m=21 s=17
